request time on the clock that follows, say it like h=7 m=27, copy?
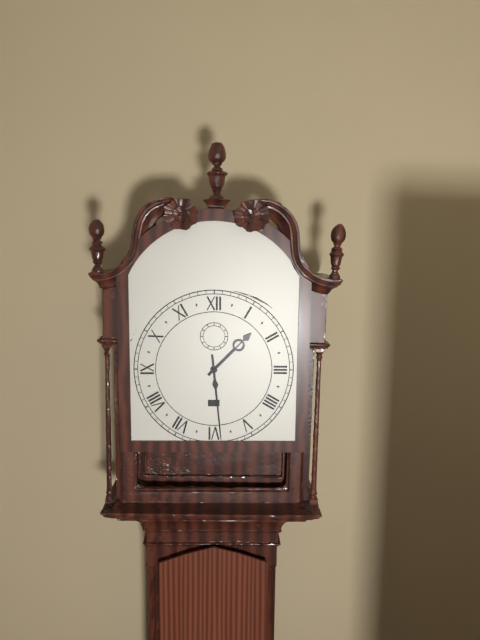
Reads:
h=1 m=29
